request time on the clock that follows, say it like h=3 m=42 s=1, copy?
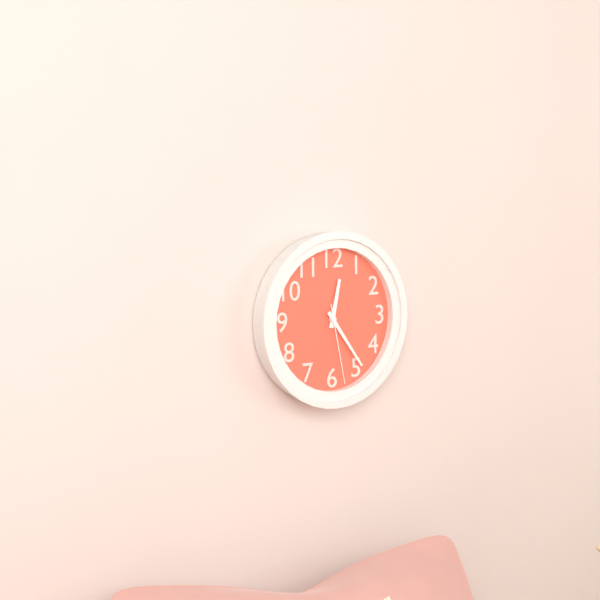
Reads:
h=12 m=24 s=28
